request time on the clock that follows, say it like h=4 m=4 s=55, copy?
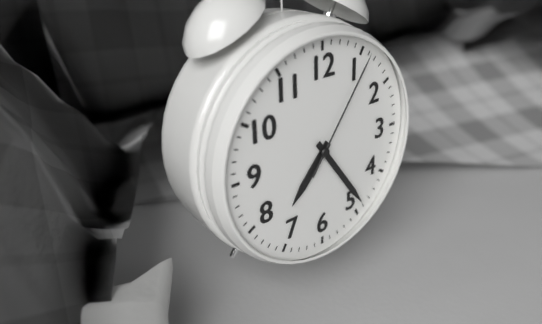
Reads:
h=7 m=24 s=6
